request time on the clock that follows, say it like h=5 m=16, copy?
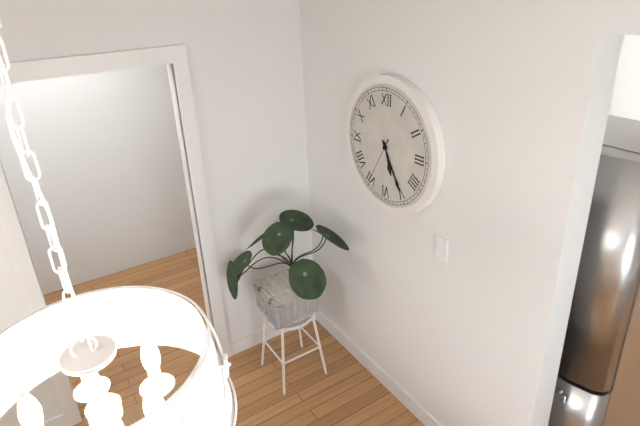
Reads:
h=5 m=25
